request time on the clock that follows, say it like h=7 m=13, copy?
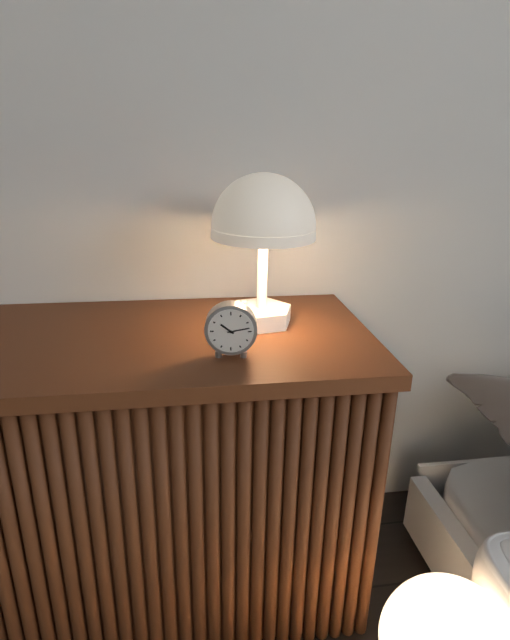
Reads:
h=10 m=13
